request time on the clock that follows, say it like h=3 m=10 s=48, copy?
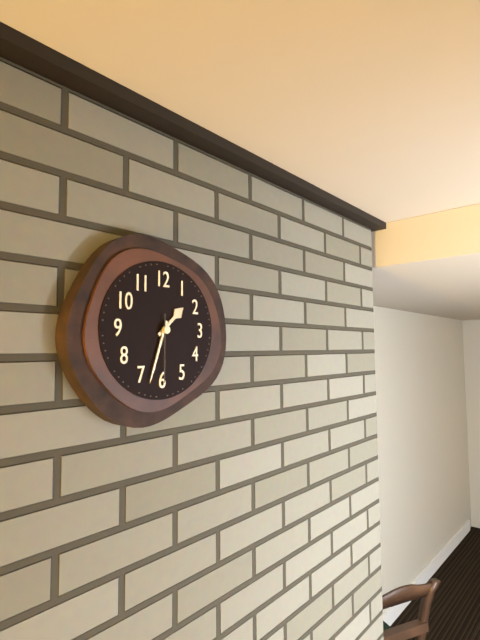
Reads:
h=1 m=33 s=30
